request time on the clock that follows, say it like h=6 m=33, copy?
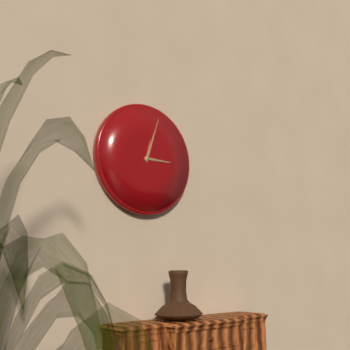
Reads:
h=3 m=3
